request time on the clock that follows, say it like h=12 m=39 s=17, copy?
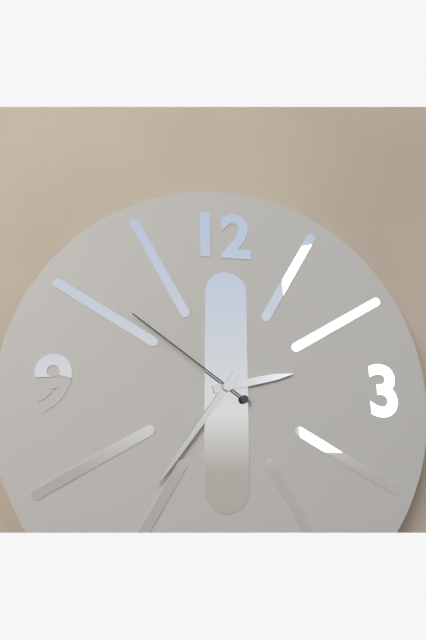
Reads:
h=2 m=36 s=51
